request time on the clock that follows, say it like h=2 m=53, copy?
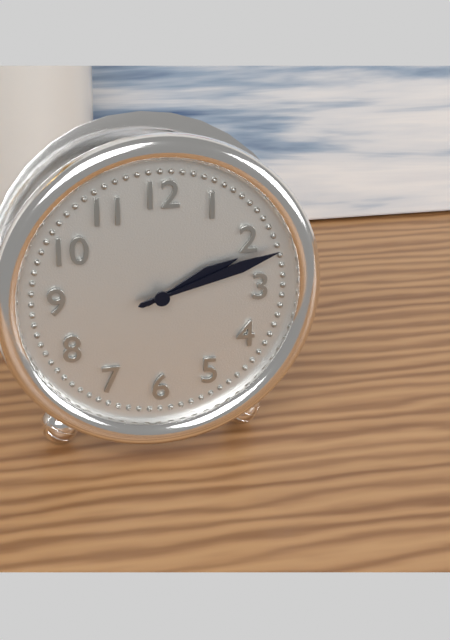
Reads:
h=2 m=12
